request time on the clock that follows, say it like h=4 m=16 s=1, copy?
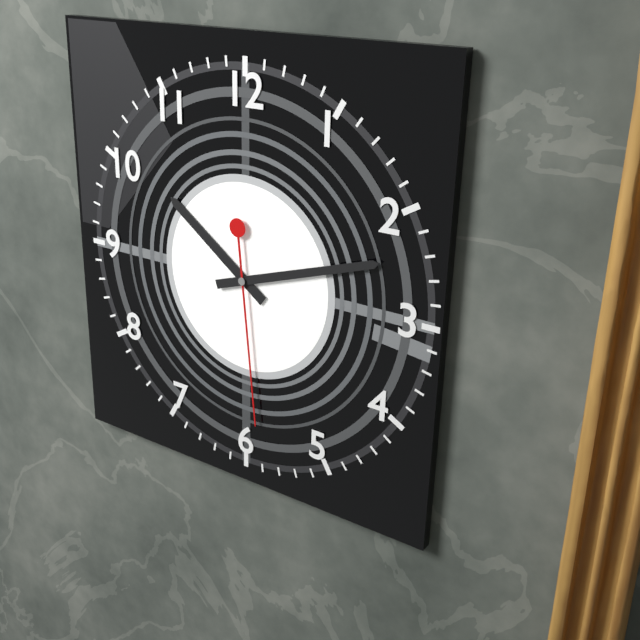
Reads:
h=10 m=12 s=29
